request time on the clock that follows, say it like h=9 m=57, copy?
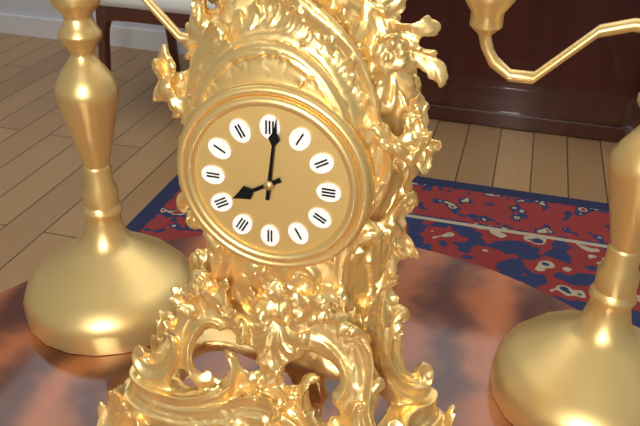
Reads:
h=8 m=1
